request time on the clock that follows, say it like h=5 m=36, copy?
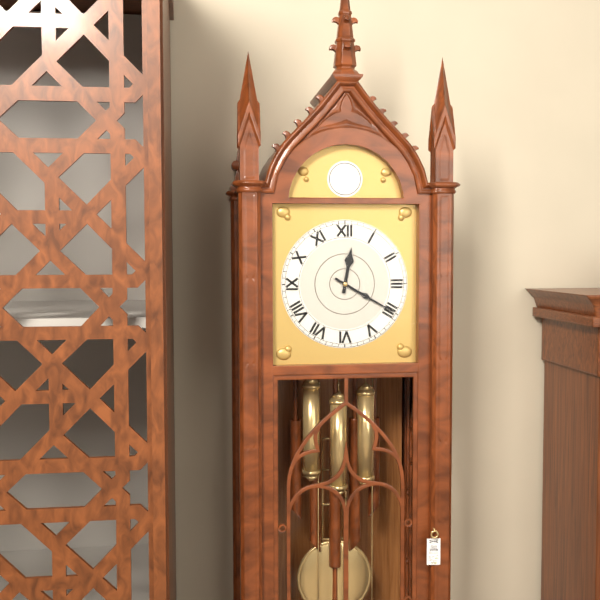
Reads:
h=12 m=20
